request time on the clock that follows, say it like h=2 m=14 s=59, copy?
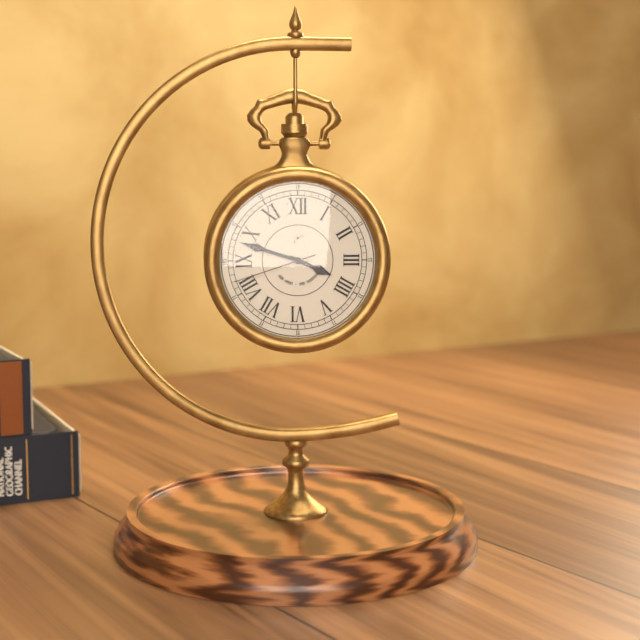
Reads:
h=3 m=48 s=42
